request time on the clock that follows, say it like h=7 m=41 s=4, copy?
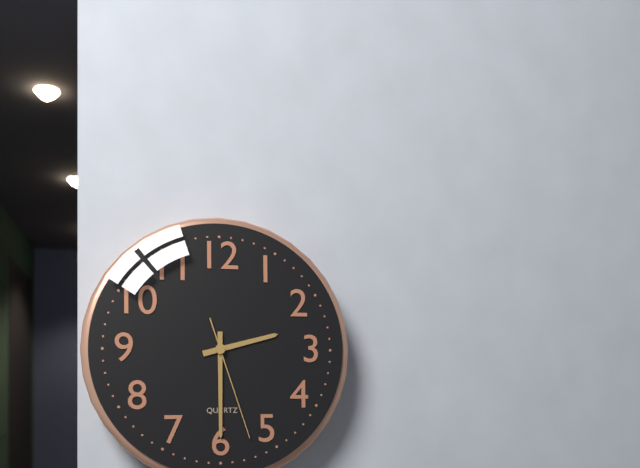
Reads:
h=2 m=30 s=27
